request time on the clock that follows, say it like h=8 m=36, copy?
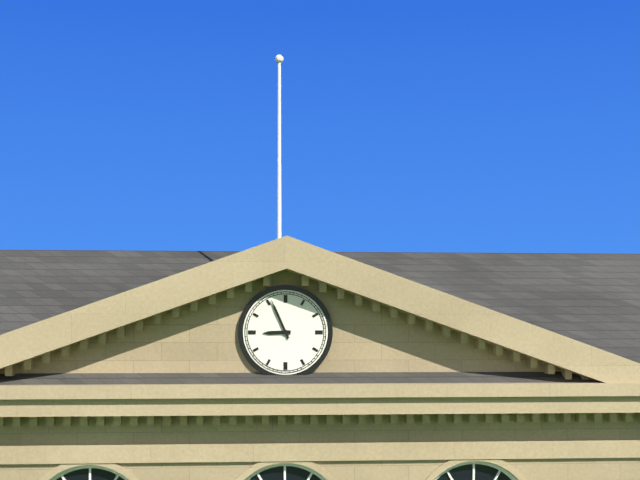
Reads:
h=8 m=56
